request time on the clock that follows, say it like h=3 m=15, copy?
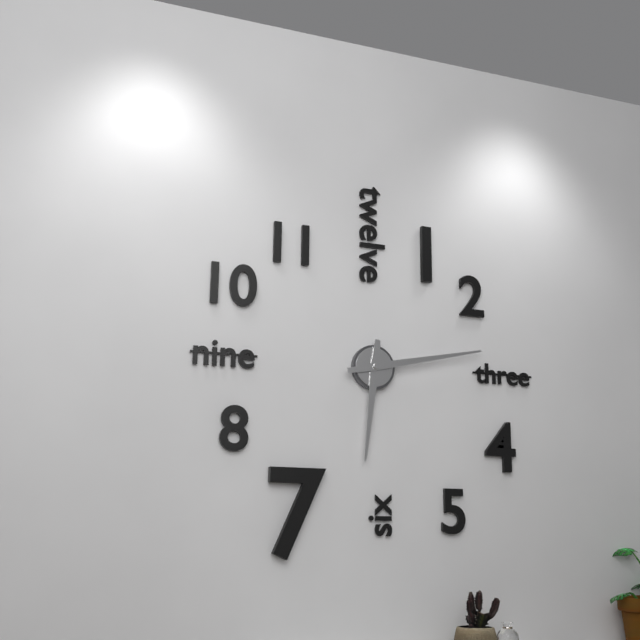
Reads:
h=6 m=13
